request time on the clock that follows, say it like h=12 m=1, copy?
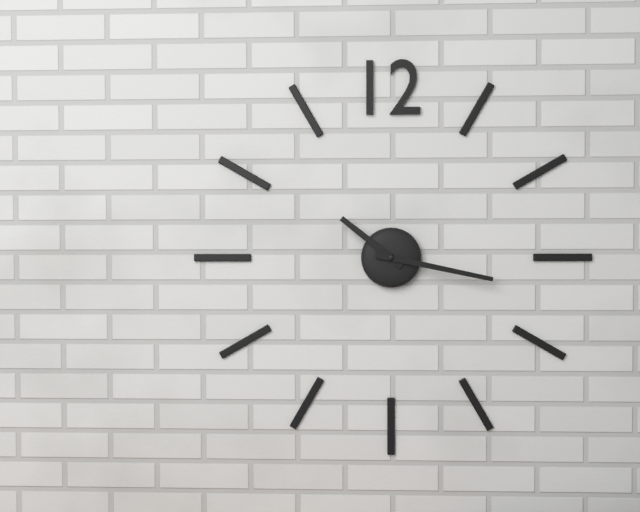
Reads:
h=10 m=17
